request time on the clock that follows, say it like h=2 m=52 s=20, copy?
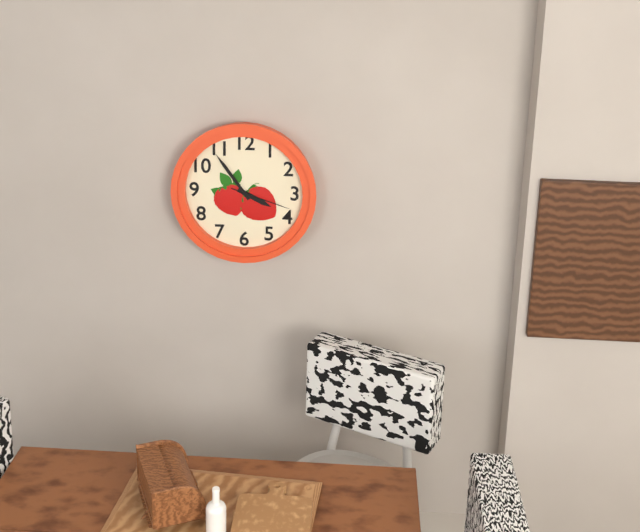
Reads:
h=3 m=54 s=18
